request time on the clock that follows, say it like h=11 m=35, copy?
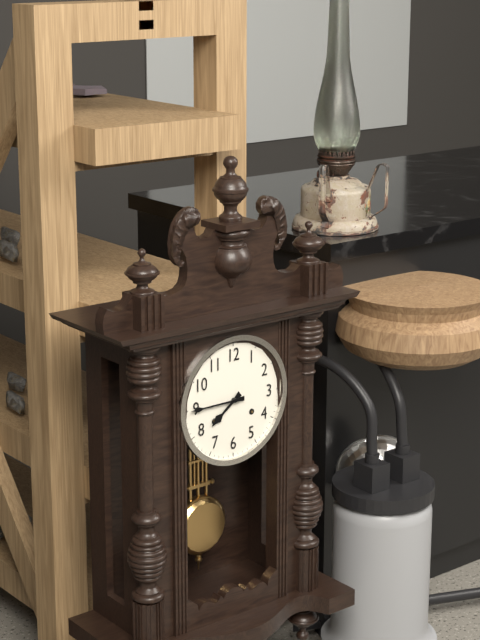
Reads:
h=7 m=45
